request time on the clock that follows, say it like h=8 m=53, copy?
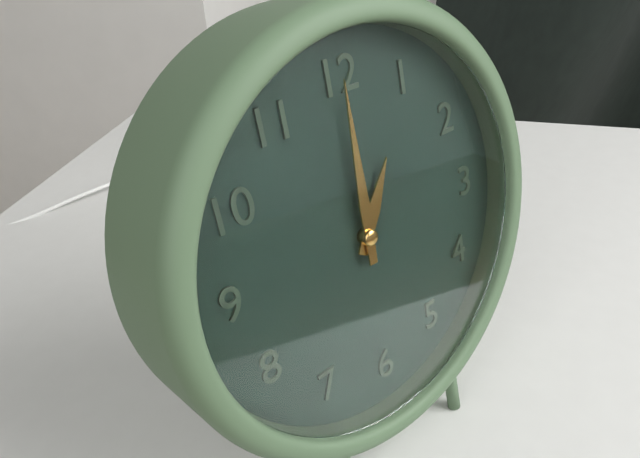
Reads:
h=1 m=0
